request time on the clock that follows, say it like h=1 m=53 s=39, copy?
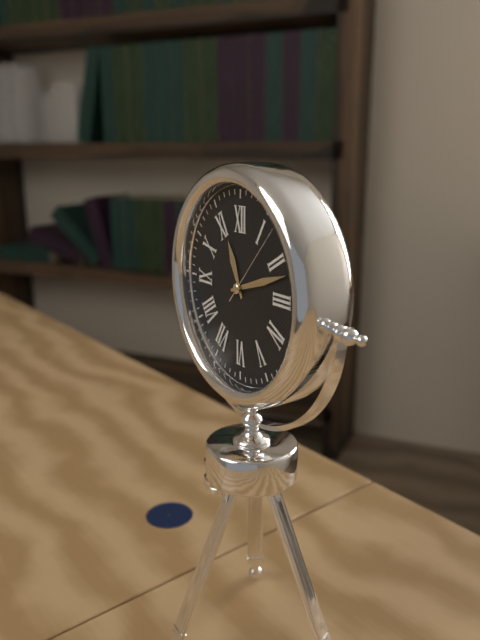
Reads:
h=11 m=12 s=7
